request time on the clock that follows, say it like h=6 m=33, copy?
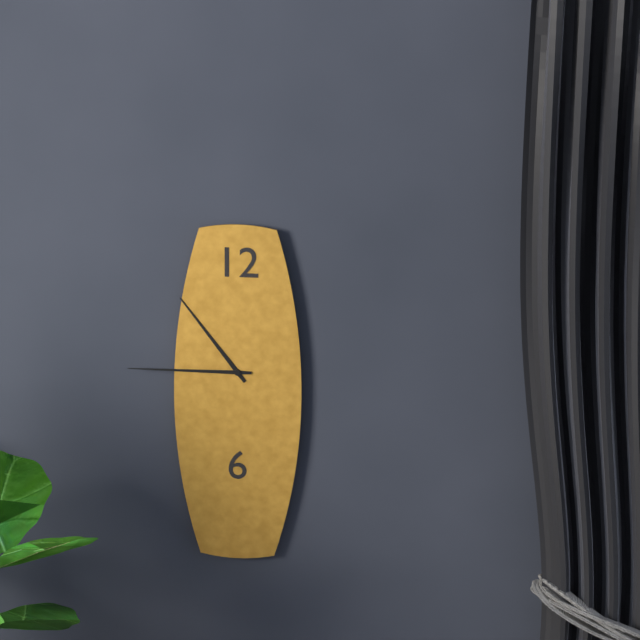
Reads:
h=10 m=45
